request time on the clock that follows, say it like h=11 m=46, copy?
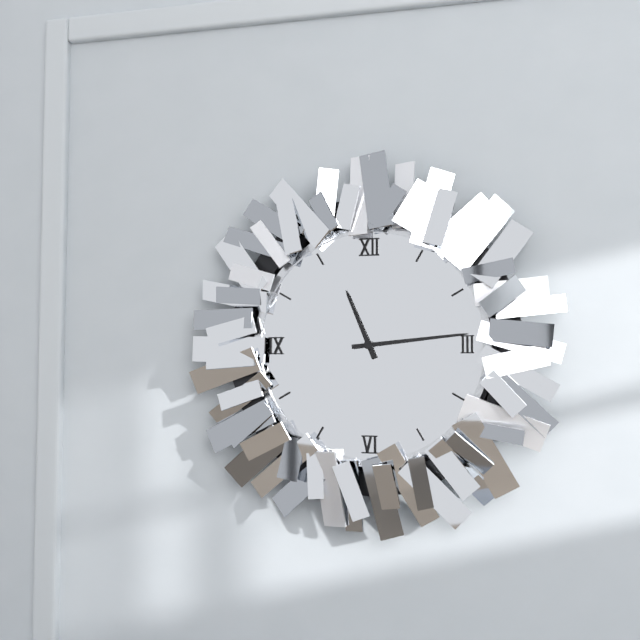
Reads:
h=11 m=14
